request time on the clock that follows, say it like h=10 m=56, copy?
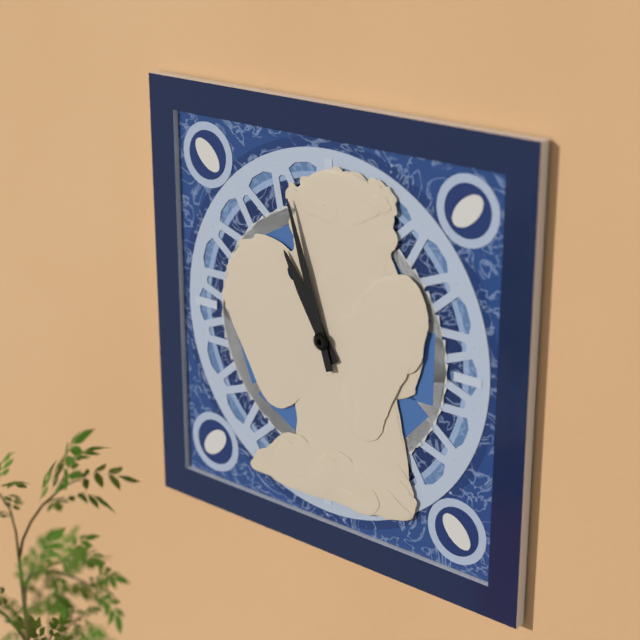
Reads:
h=10 m=57
